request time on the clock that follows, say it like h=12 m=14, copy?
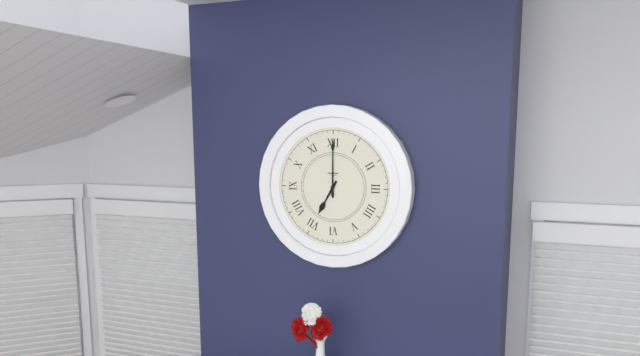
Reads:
h=7 m=0
